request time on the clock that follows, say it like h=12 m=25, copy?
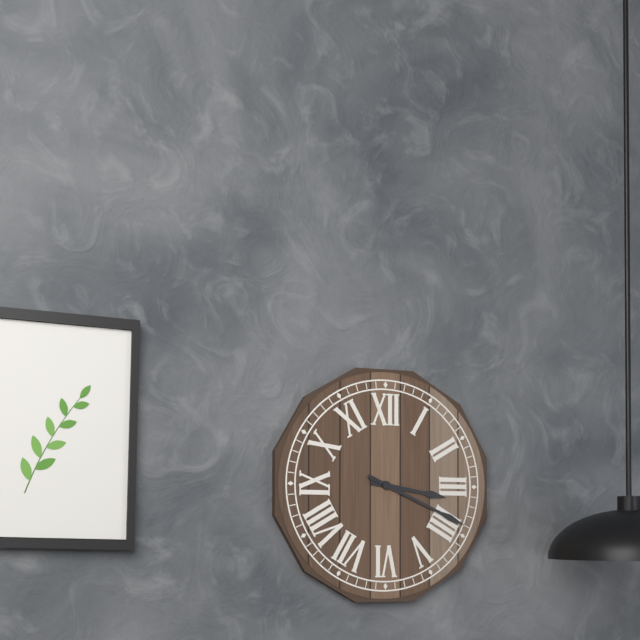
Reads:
h=3 m=19
